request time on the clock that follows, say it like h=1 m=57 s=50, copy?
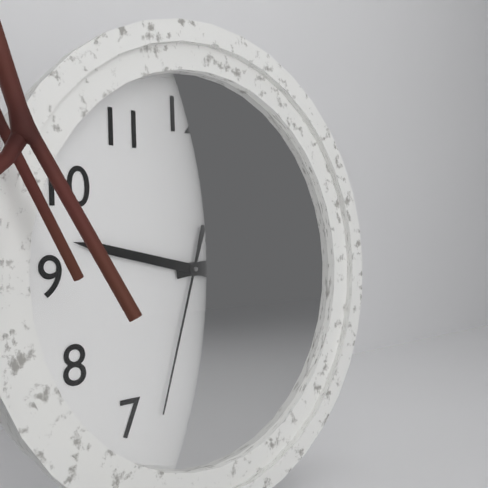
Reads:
h=2 m=47 s=33
